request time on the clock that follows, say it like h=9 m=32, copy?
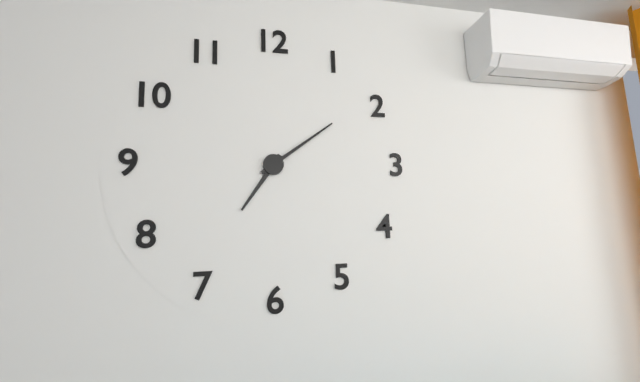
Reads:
h=7 m=9
